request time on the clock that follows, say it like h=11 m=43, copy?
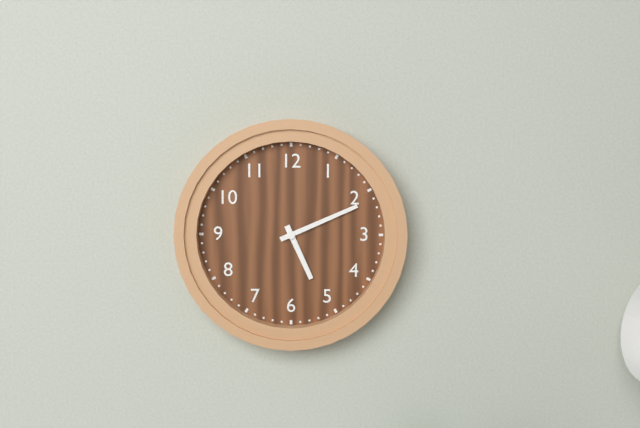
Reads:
h=5 m=11
